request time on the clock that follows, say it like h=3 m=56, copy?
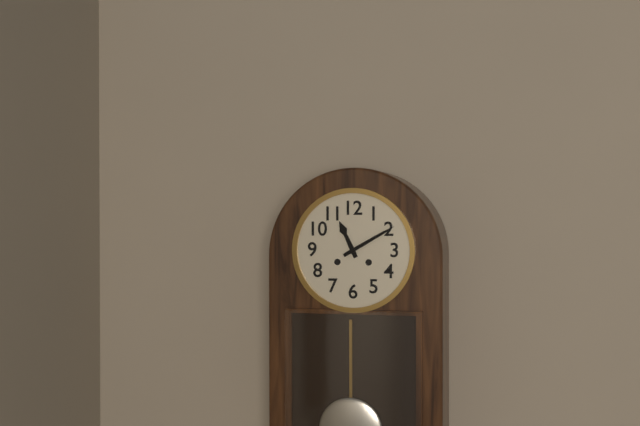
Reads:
h=11 m=10
